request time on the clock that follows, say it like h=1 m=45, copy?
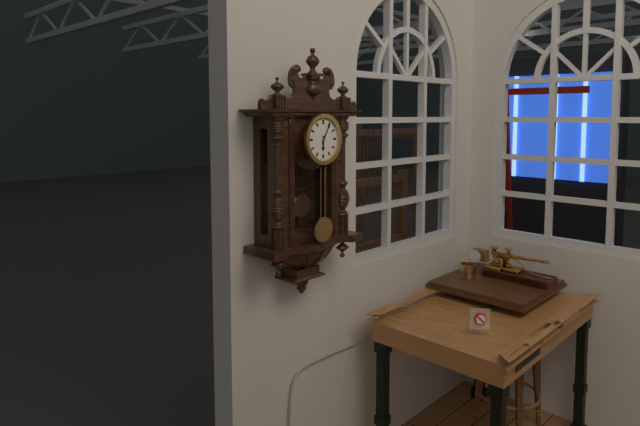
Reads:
h=6 m=5
